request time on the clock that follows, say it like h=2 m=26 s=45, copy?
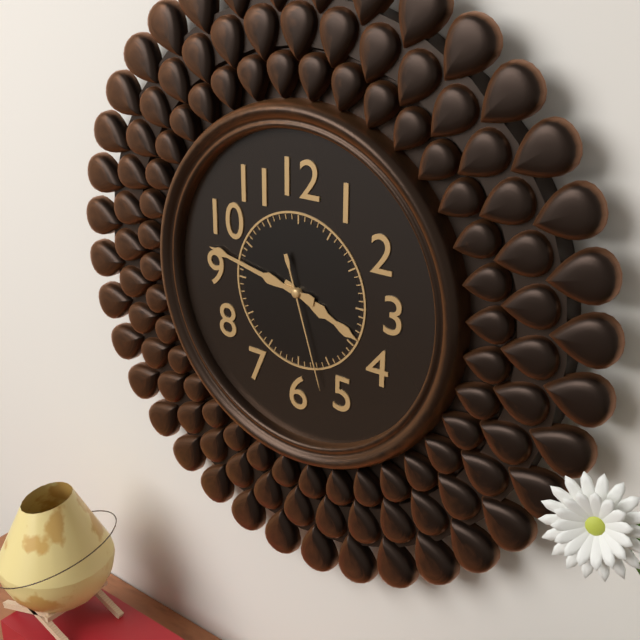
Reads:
h=3 m=47 s=27
